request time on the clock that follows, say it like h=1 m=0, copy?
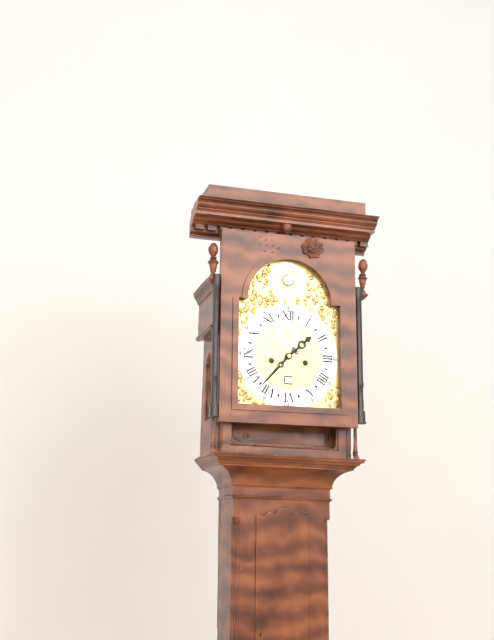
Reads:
h=1 m=37
